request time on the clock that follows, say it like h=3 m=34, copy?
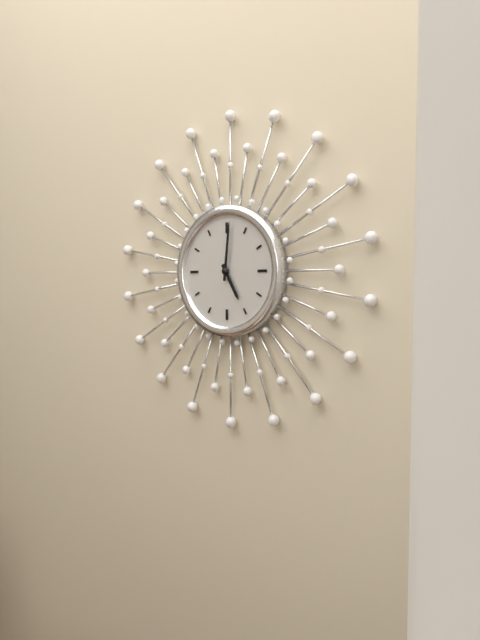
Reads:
h=5 m=1
